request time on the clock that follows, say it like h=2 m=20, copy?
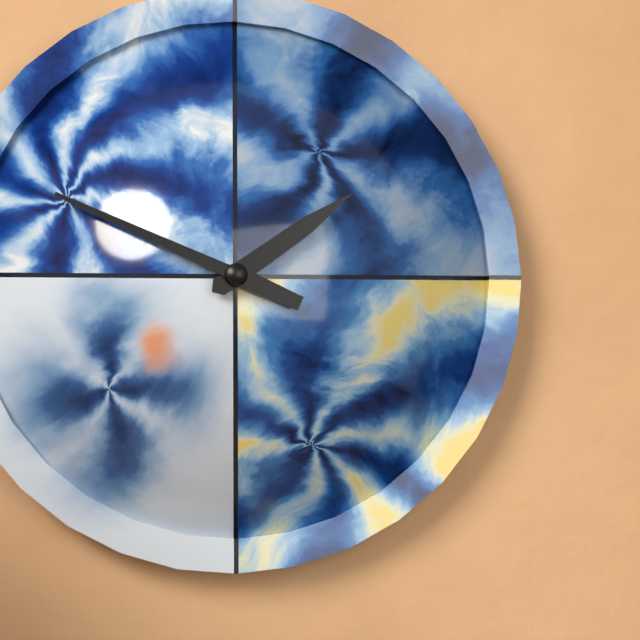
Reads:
h=1 m=49
